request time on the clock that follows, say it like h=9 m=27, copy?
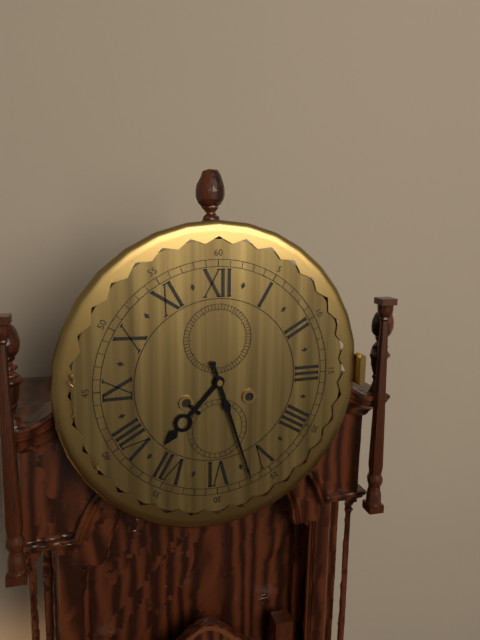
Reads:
h=7 m=27
